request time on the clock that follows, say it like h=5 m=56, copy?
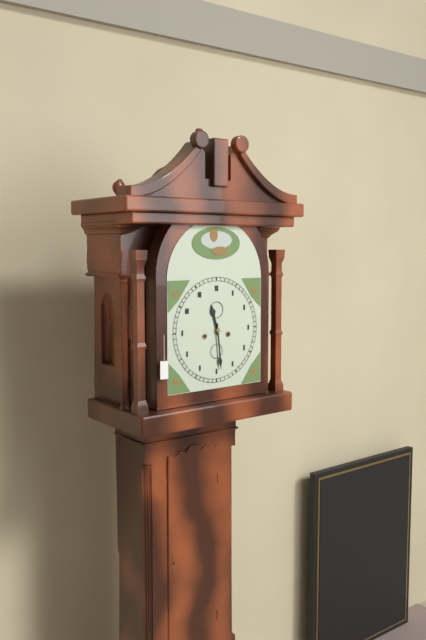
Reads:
h=11 m=29
